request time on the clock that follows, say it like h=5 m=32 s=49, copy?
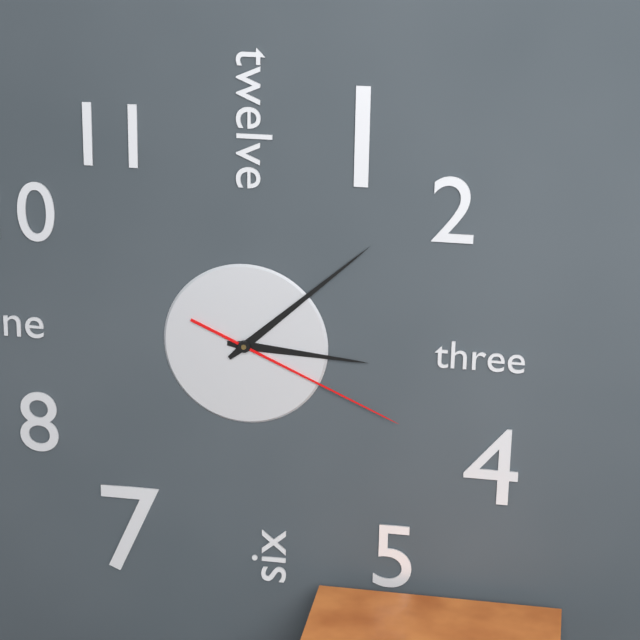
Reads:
h=3 m=8 s=19
